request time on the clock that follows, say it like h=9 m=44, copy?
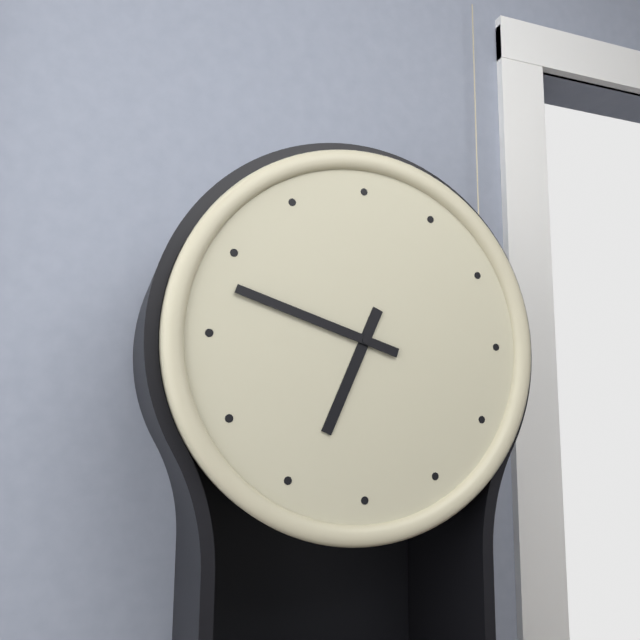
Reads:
h=6 m=48
